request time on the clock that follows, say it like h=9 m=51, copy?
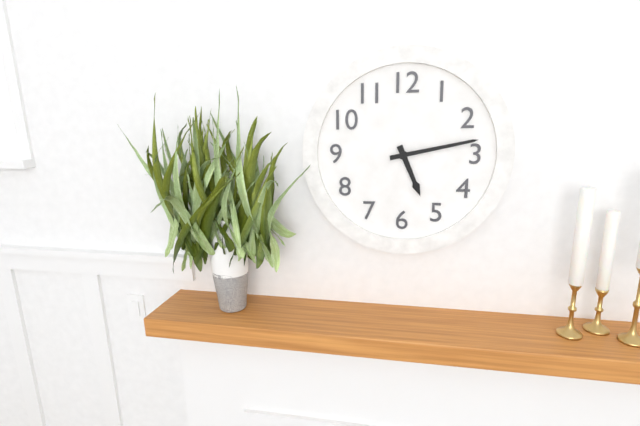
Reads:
h=5 m=13
